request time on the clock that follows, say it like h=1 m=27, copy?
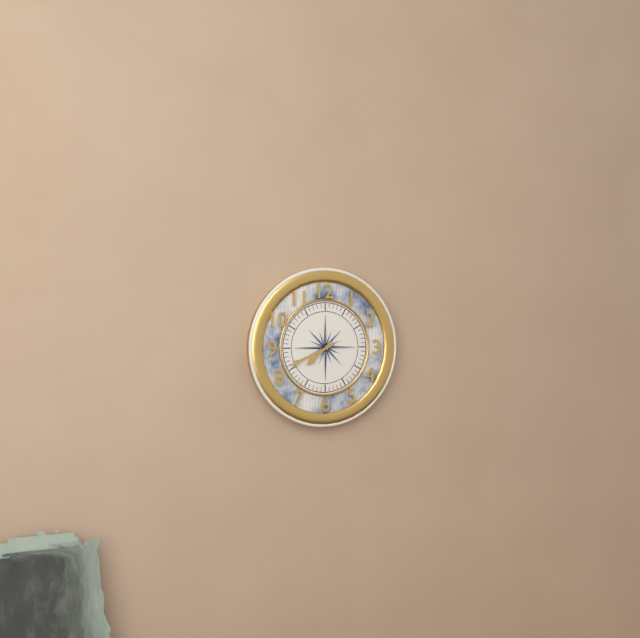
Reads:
h=7 m=41
